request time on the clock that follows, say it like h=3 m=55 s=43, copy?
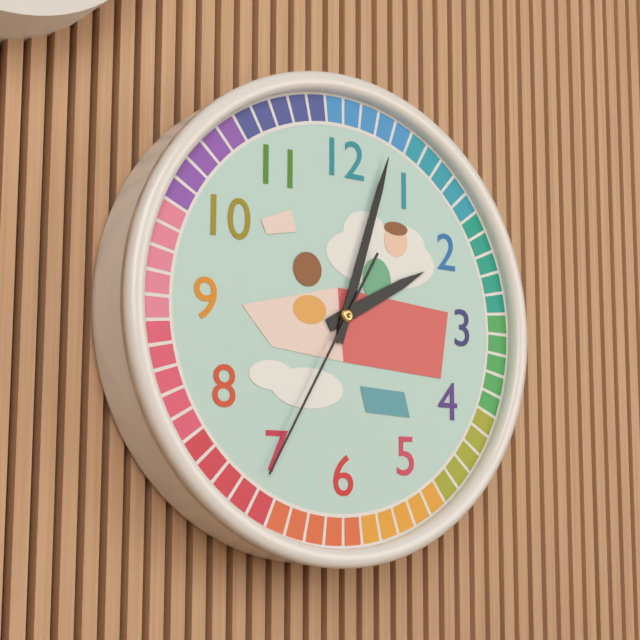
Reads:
h=2 m=3 s=35
